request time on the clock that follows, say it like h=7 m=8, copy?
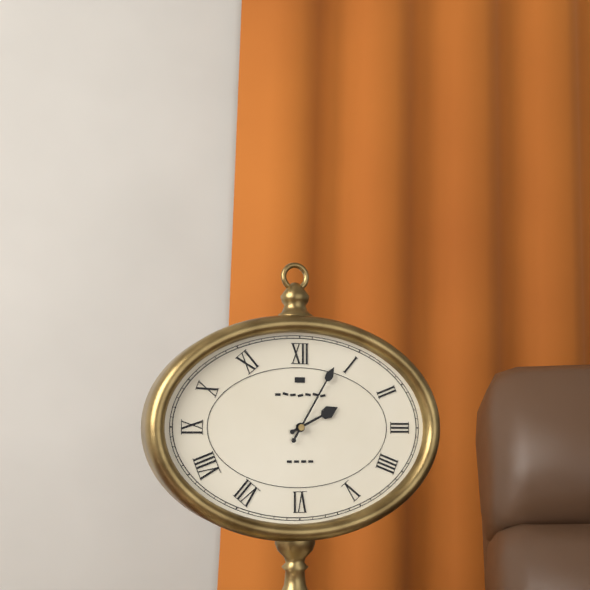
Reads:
h=2 m=5
